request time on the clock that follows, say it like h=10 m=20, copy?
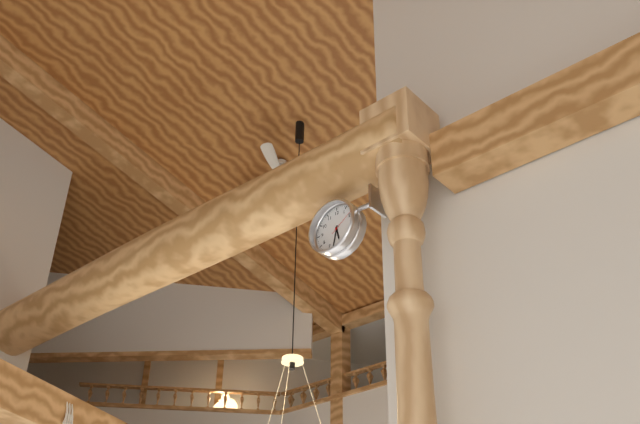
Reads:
h=5 m=32
